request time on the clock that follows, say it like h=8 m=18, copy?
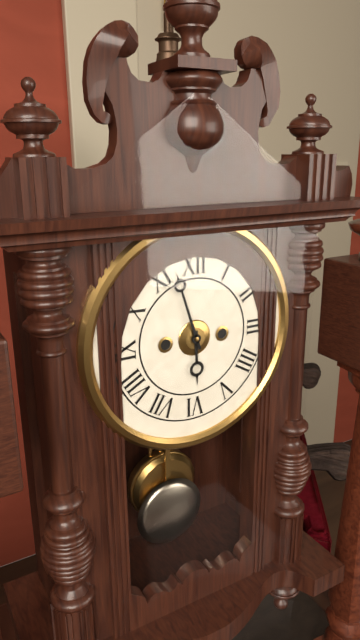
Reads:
h=5 m=57
